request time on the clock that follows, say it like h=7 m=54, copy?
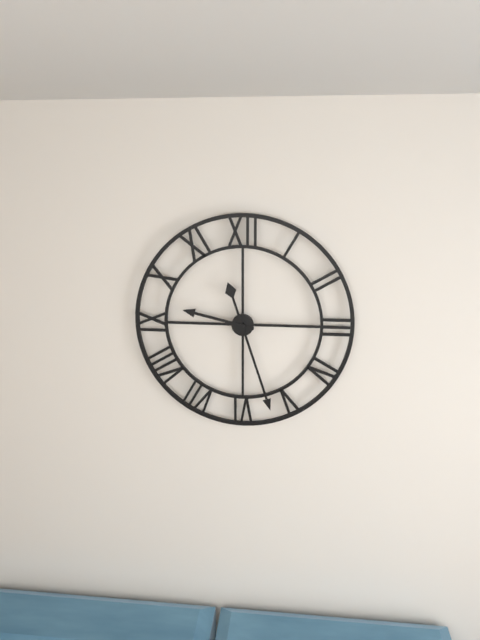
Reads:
h=9 m=27
